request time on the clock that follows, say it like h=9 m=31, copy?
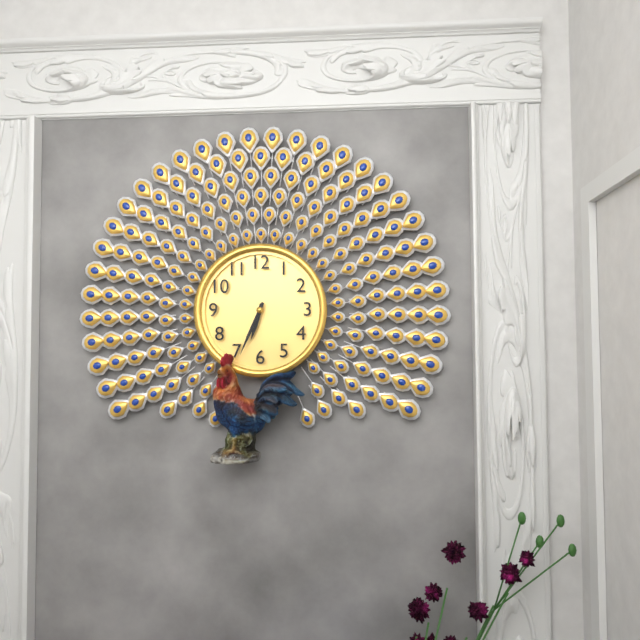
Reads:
h=6 m=34
